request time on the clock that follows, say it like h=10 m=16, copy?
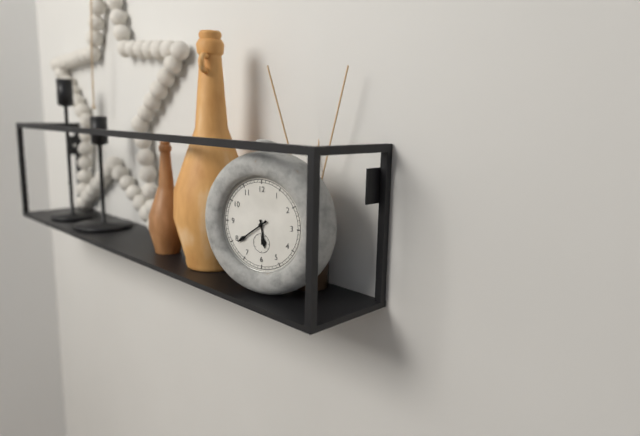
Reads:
h=5 m=39
